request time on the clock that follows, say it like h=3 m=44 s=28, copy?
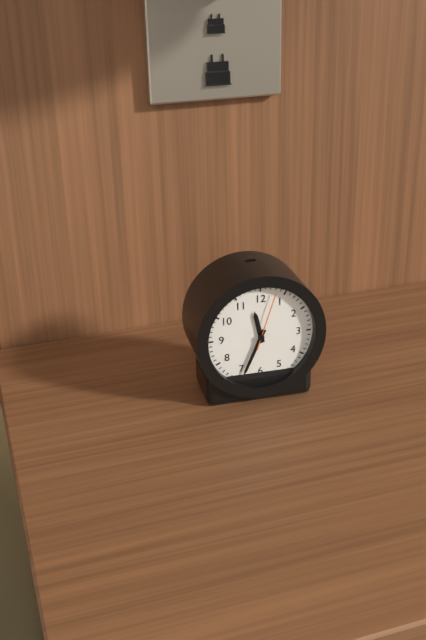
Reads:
h=11 m=34 s=3
